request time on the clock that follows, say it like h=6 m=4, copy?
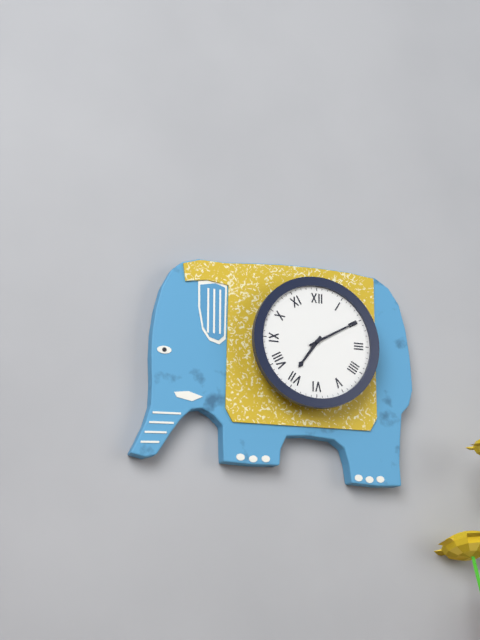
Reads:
h=7 m=10
